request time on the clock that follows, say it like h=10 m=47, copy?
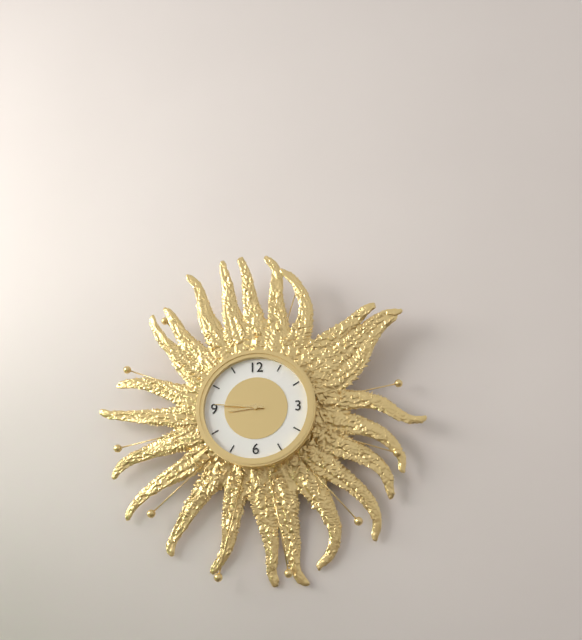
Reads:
h=8 m=46
